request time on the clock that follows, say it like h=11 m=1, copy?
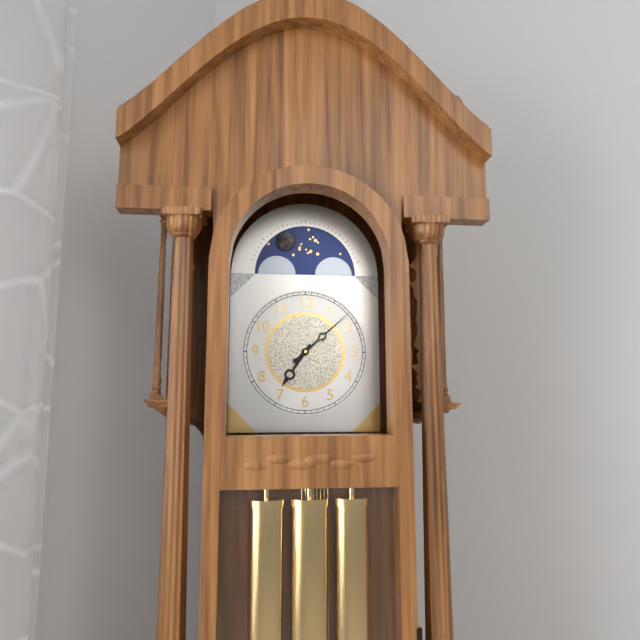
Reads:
h=7 m=8
